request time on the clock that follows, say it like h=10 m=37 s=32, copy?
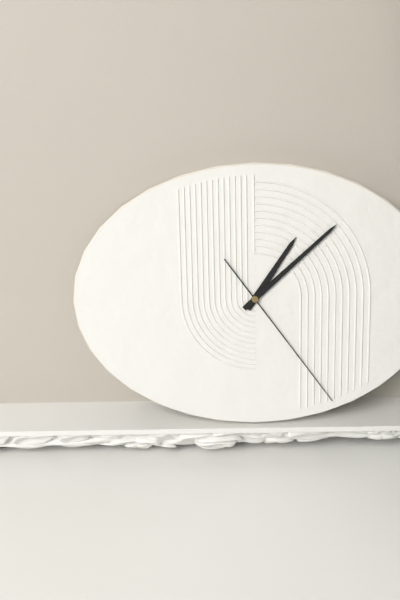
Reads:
h=1 m=8 s=24
